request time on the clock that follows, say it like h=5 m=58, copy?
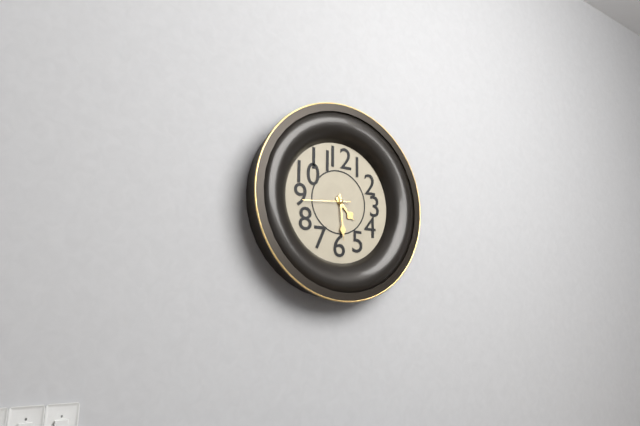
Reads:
h=4 m=29
